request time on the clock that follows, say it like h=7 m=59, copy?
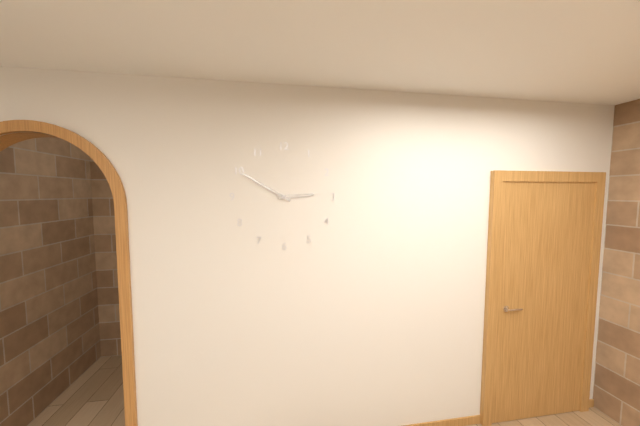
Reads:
h=2 m=50
